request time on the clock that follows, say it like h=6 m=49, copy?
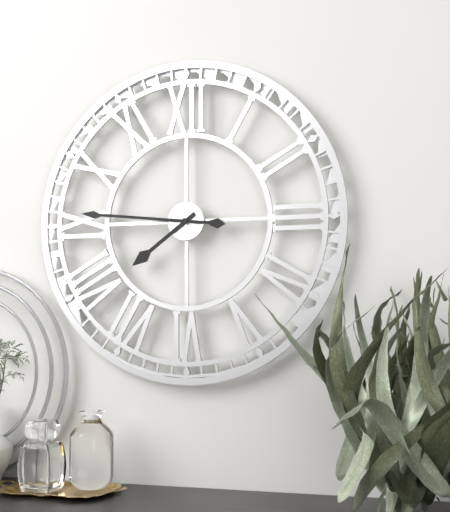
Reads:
h=7 m=46
